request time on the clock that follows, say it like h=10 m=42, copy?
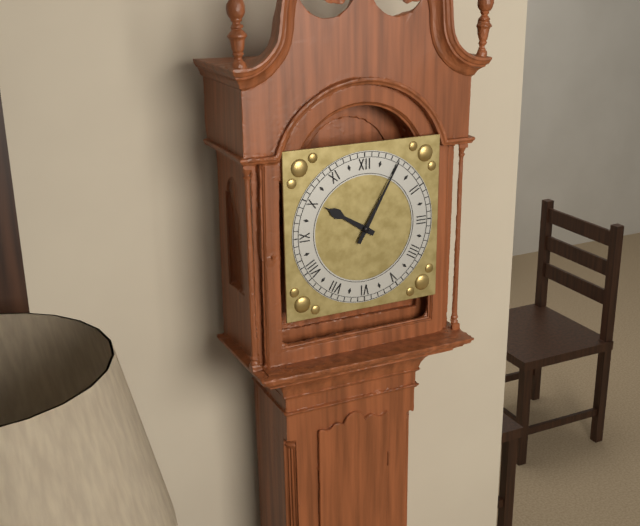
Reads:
h=10 m=5
